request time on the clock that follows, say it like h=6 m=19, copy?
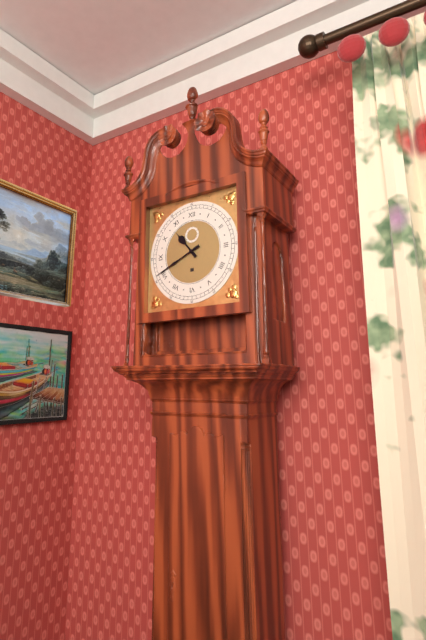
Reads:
h=10 m=41
